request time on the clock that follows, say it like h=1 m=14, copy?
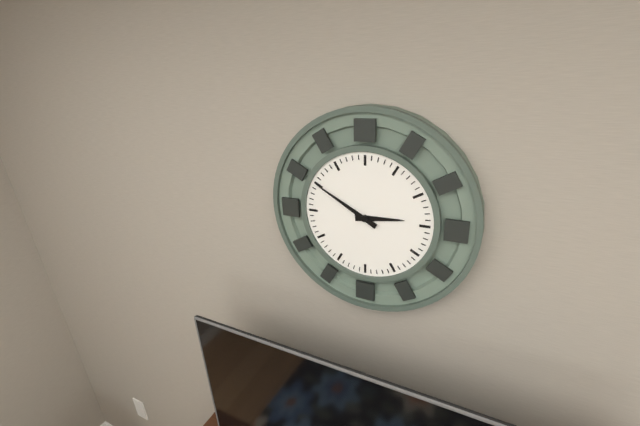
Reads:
h=2 m=50
